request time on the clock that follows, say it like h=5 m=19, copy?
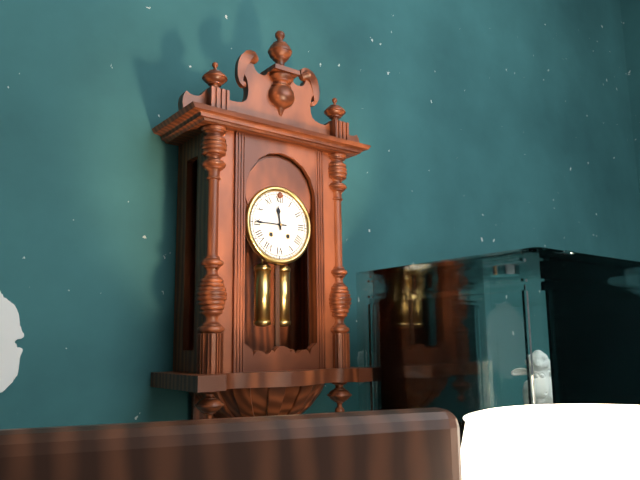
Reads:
h=11 m=45
